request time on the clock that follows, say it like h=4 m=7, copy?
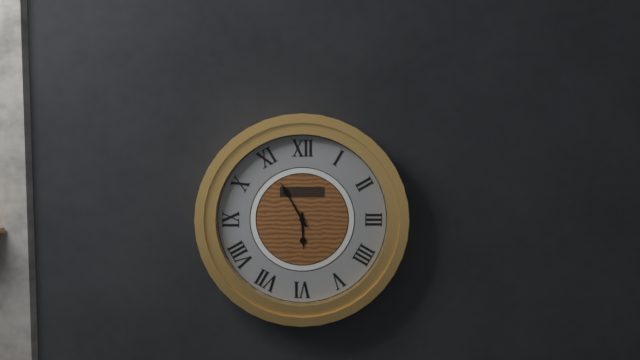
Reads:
h=5 m=55
